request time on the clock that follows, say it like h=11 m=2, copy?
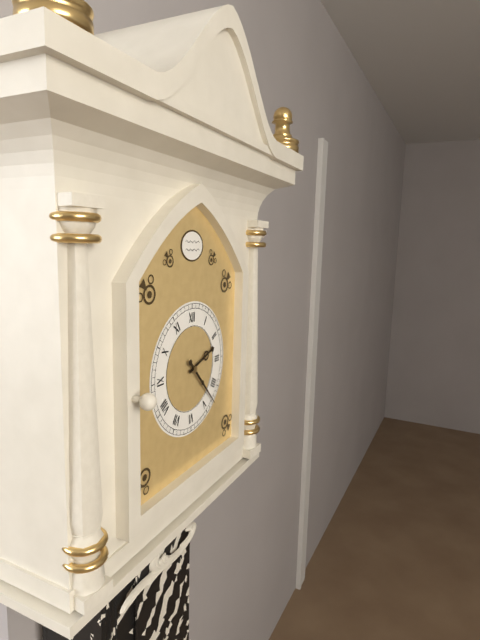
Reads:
h=2 m=23
